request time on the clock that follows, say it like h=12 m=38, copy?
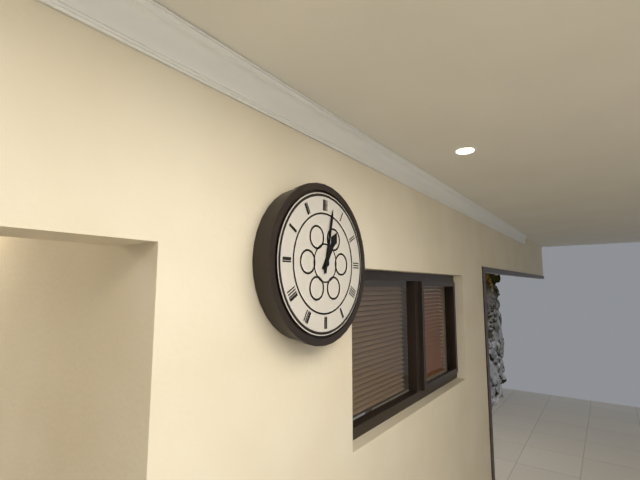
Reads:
h=1 m=2
